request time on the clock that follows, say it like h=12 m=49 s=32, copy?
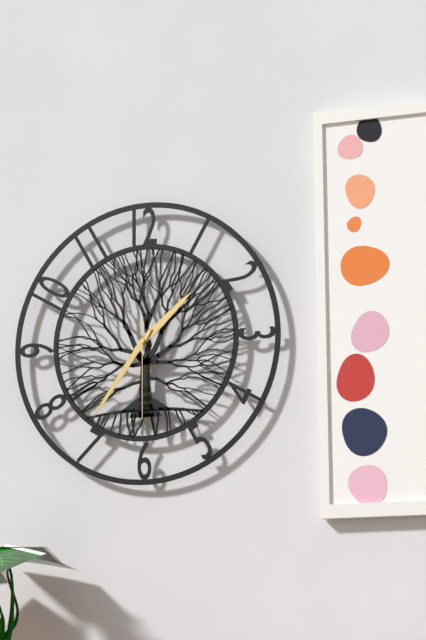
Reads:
h=1 m=36 s=30
